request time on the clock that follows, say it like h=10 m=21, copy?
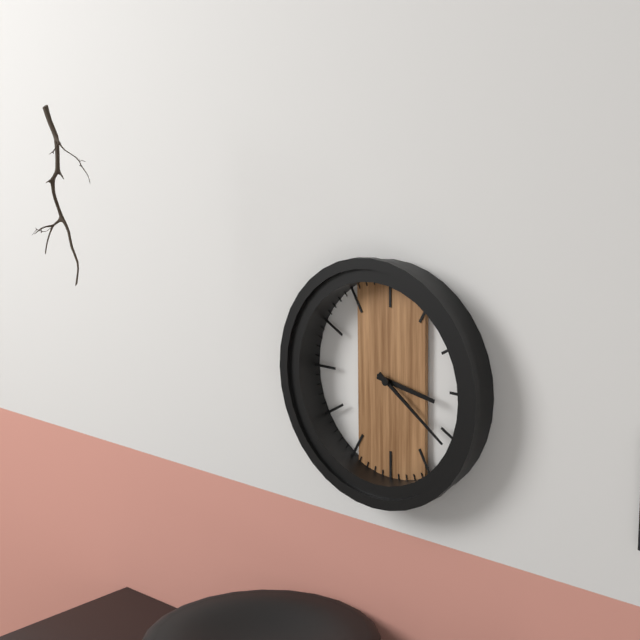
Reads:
h=3 m=21
